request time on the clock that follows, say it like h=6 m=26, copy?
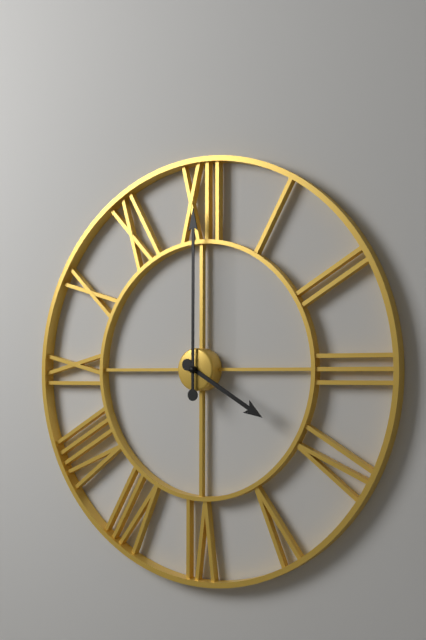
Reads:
h=4 m=0
